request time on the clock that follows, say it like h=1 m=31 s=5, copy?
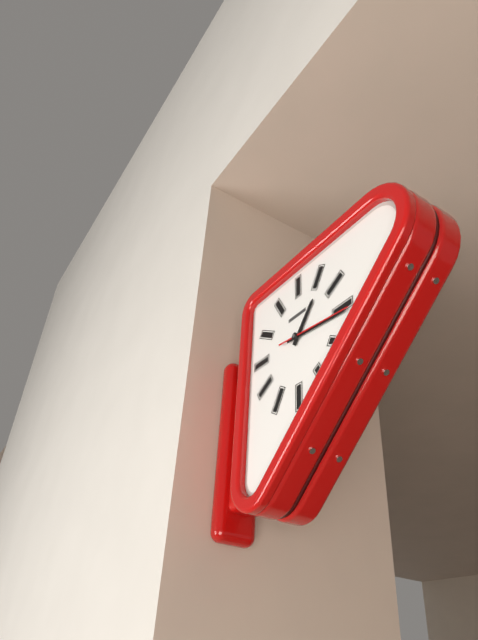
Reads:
h=1 m=16 s=16
